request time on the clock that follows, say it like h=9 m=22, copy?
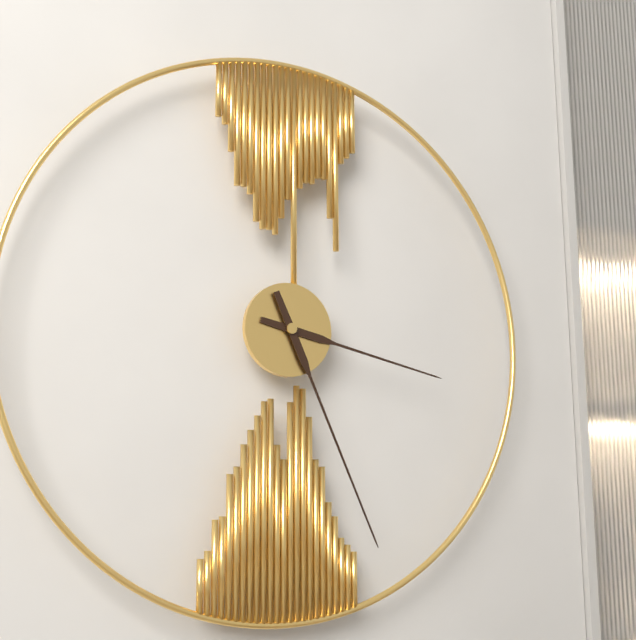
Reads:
h=3 m=26
